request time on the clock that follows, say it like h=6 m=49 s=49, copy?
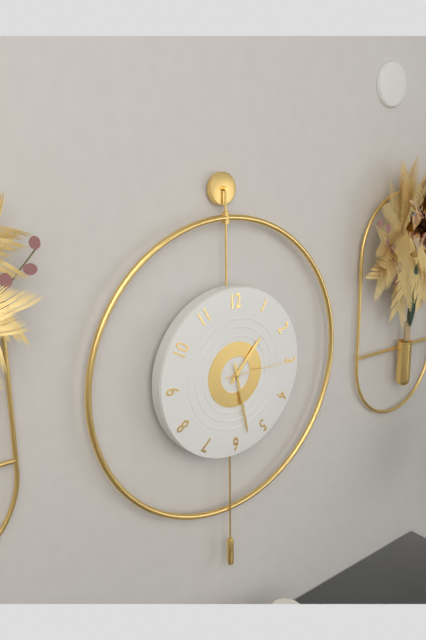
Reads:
h=1 m=28 s=15
